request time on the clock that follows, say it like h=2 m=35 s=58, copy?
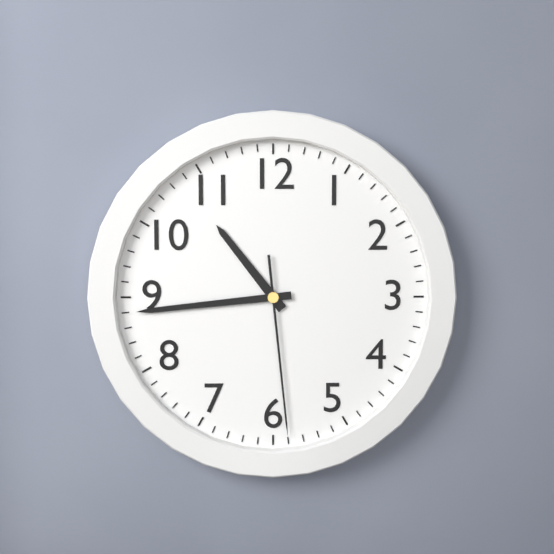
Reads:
h=10 m=44 s=29
